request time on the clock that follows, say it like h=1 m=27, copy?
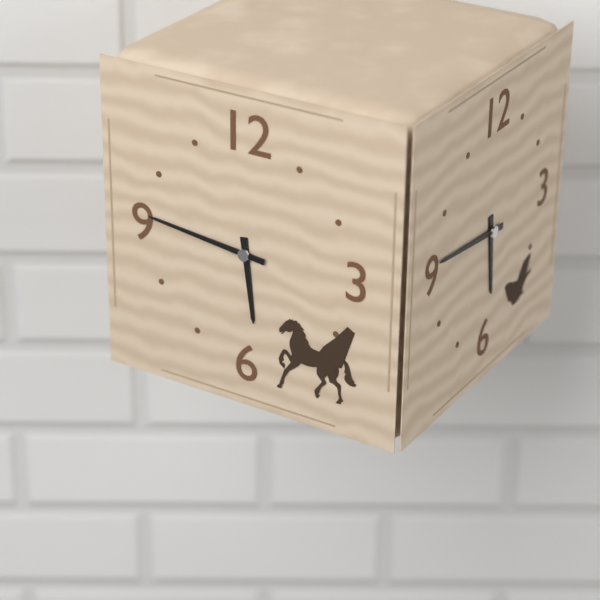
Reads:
h=5 m=46
